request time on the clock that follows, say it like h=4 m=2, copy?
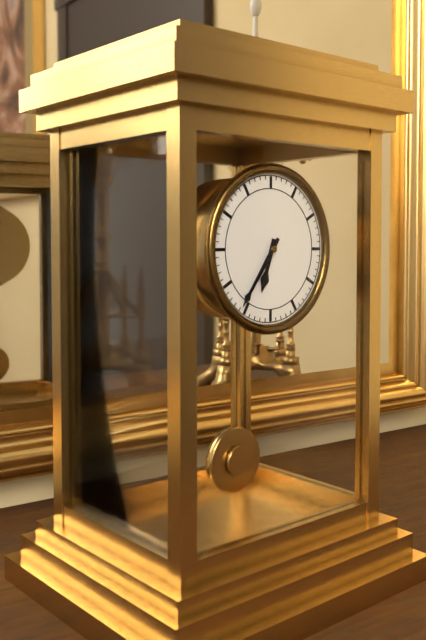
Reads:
h=6 m=36
